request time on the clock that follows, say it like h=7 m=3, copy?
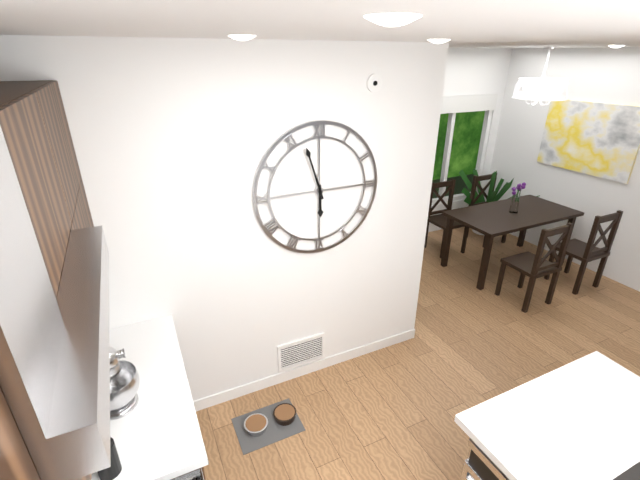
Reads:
h=5 m=57
